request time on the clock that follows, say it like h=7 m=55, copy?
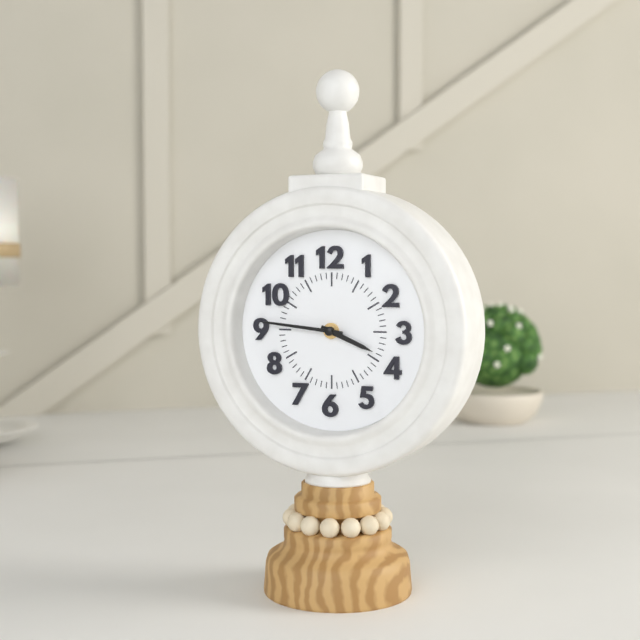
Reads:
h=3 m=46
